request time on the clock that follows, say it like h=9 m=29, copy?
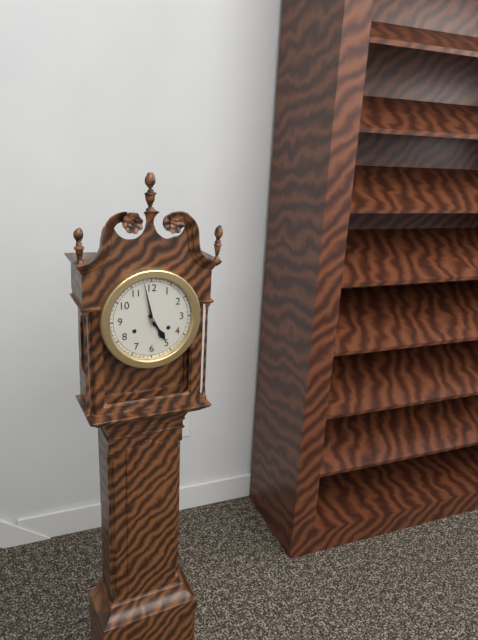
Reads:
h=4 m=58
